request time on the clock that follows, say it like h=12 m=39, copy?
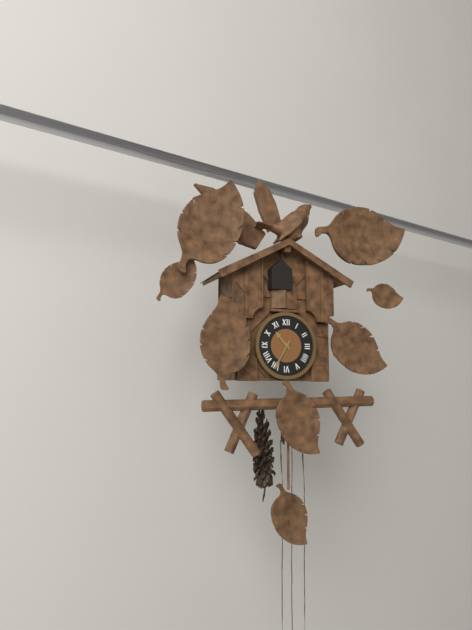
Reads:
h=10 m=35
